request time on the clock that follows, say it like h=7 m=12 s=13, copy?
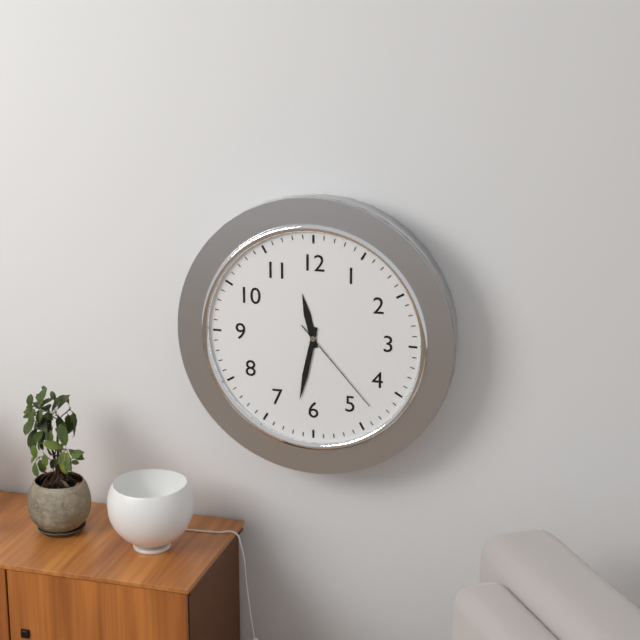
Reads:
h=11 m=32 s=23
